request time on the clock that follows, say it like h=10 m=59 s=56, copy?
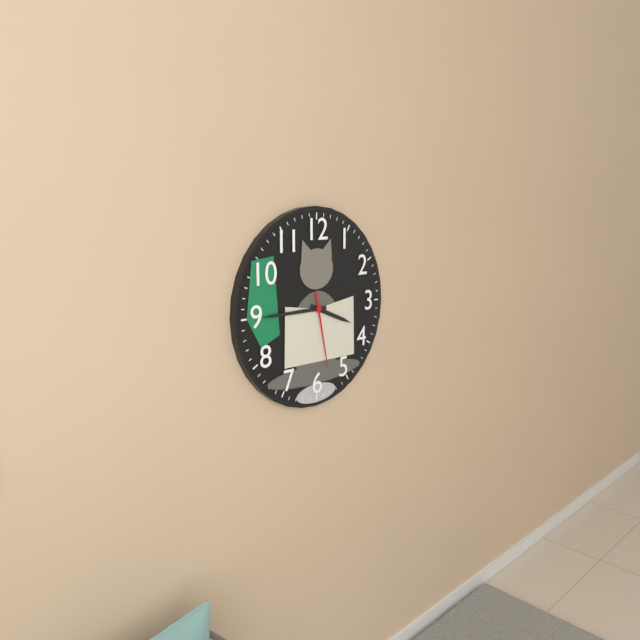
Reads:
h=3 m=45 s=28
